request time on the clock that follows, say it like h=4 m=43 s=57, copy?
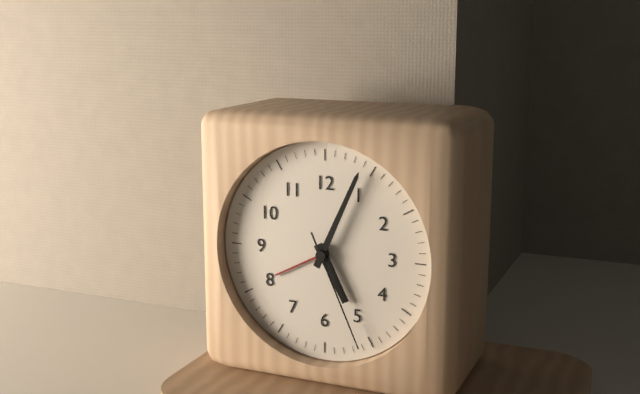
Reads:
h=5 m=4 s=26
